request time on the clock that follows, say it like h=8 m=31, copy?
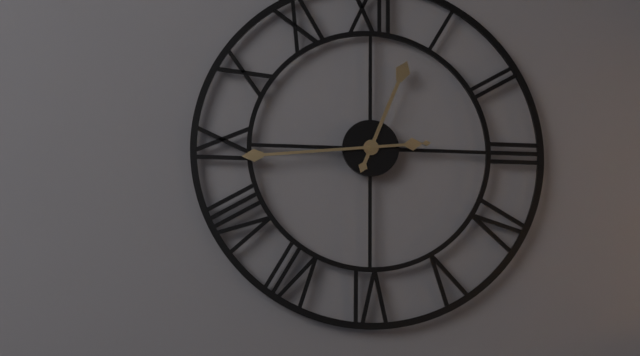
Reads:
h=12 m=44
